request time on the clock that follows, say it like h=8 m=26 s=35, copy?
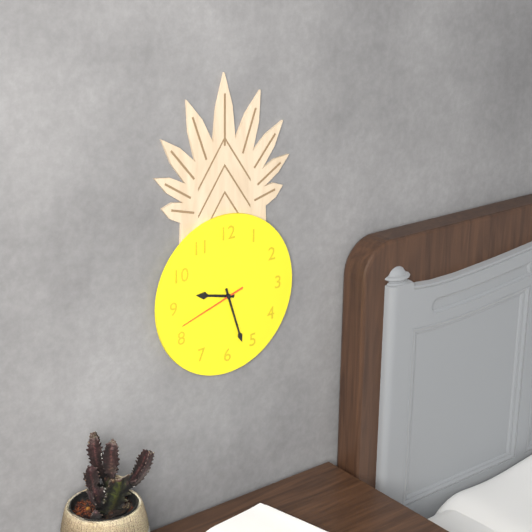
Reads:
h=9 m=27 s=42
